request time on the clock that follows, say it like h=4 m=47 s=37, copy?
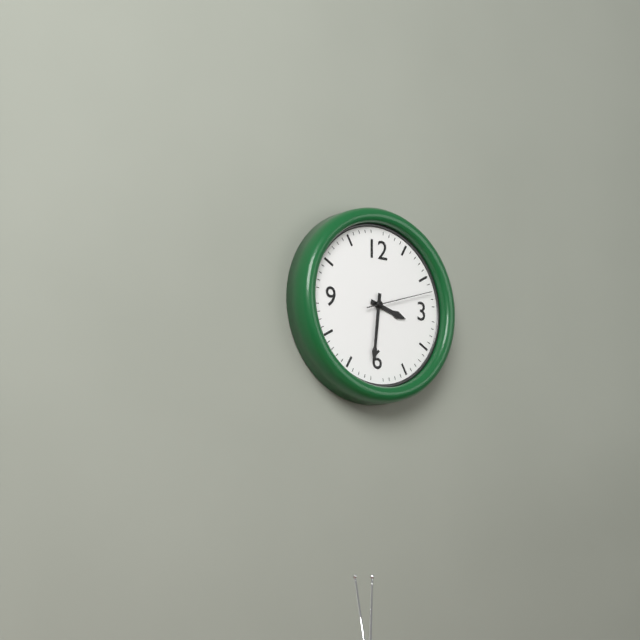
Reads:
h=3 m=31 s=12
